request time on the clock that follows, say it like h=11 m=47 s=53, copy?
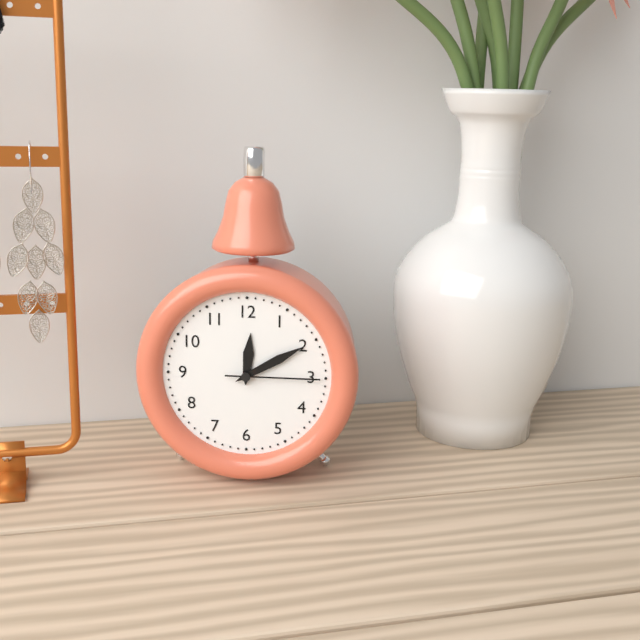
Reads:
h=12 m=10 s=15
